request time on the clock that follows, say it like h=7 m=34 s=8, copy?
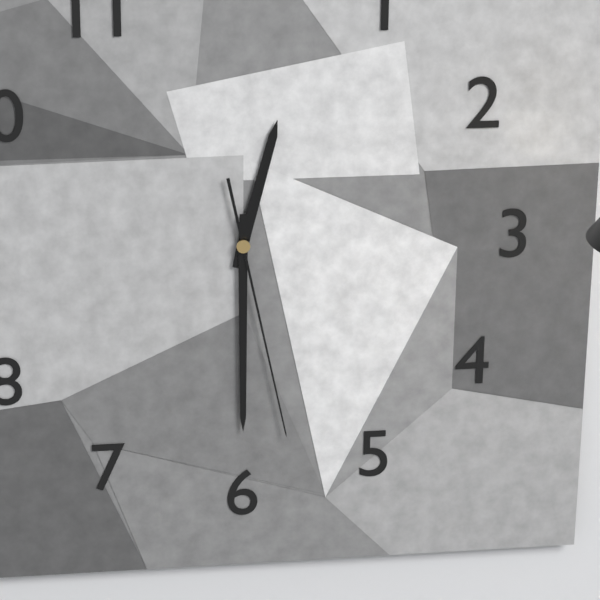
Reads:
h=12 m=30 s=28
